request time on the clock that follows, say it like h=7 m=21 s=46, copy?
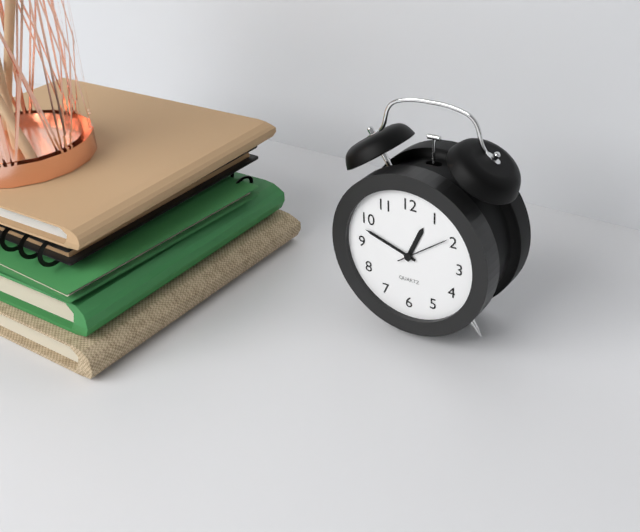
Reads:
h=12 m=48 s=9
